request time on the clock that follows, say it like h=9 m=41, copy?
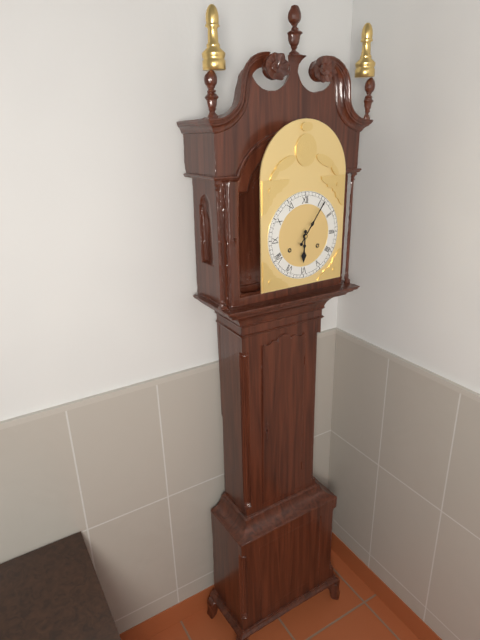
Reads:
h=6 m=6
